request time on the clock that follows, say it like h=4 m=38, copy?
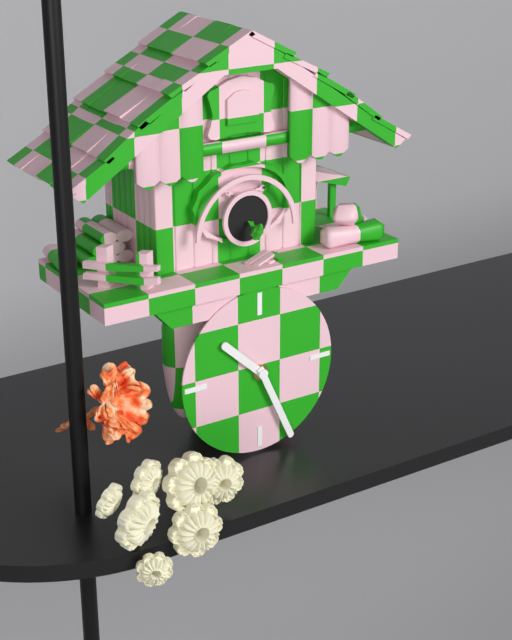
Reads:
h=10 m=26
